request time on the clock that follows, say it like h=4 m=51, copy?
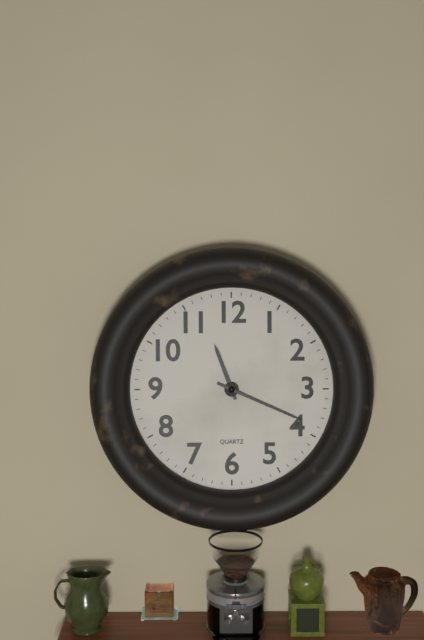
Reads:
h=11 m=19
